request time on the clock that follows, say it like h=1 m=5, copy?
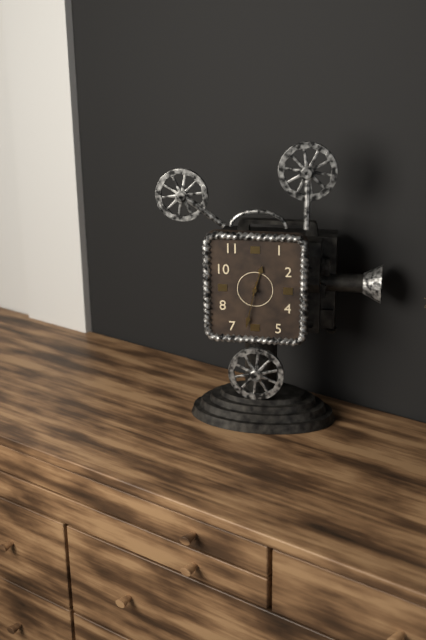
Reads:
h=12 m=32
